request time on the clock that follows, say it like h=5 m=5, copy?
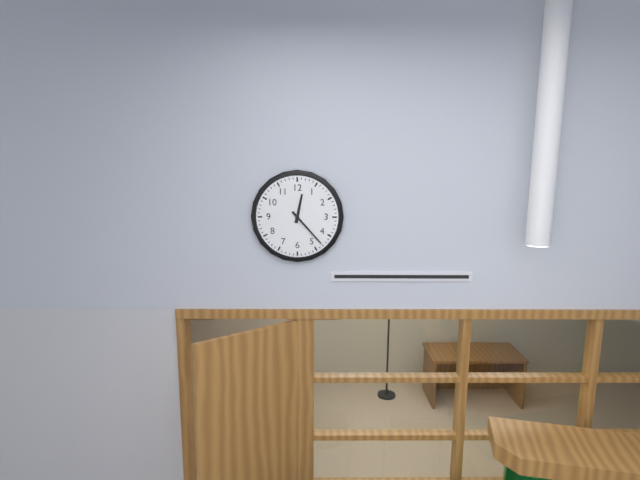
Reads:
h=12 m=23
